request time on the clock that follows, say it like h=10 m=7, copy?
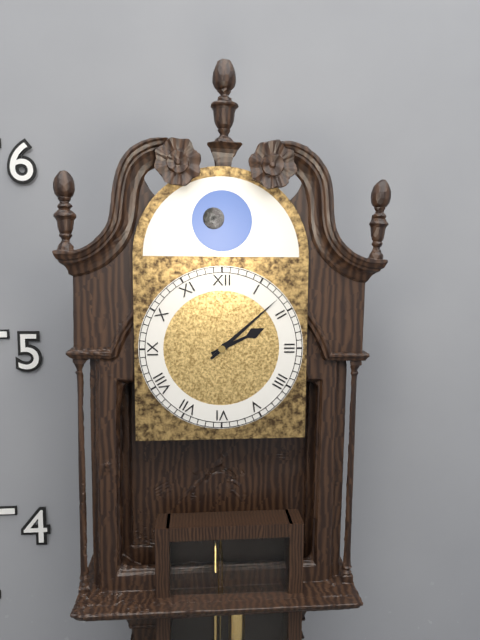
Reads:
h=2 m=8
